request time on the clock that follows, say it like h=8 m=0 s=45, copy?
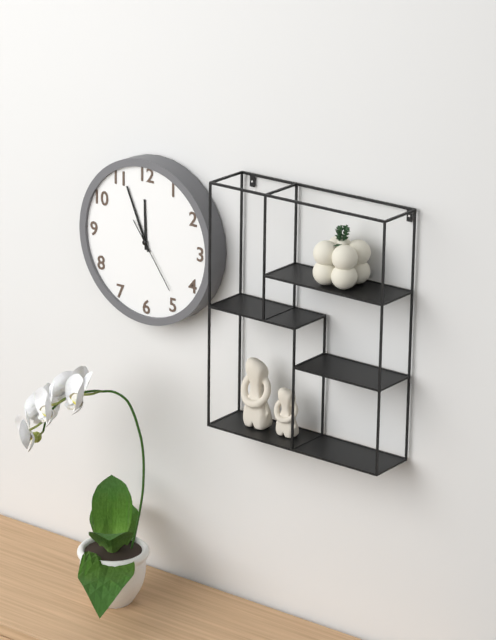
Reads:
h=11 m=56 s=24
